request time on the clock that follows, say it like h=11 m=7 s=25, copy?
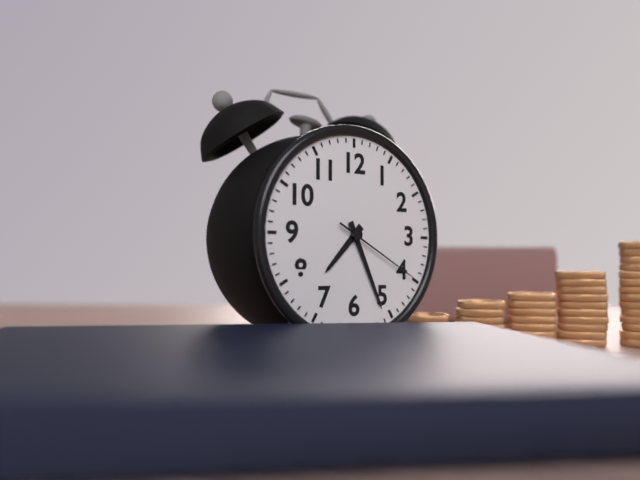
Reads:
h=7 m=26 s=20
